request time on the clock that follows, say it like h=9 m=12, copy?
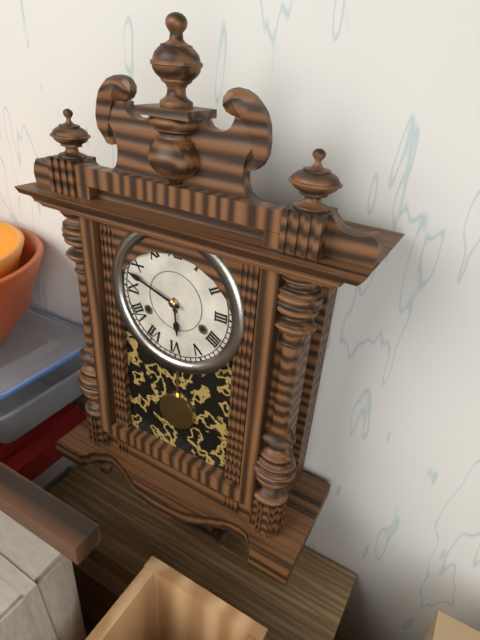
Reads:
h=5 m=48
